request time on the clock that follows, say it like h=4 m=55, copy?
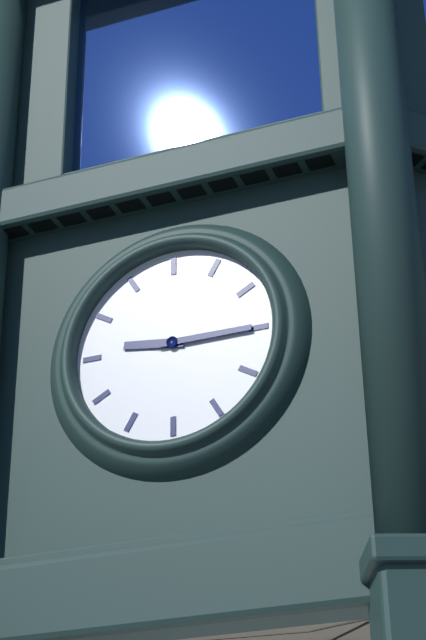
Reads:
h=9 m=15
